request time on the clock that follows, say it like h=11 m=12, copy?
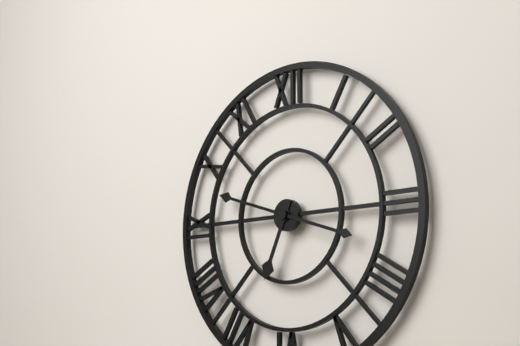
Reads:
h=6 m=48
